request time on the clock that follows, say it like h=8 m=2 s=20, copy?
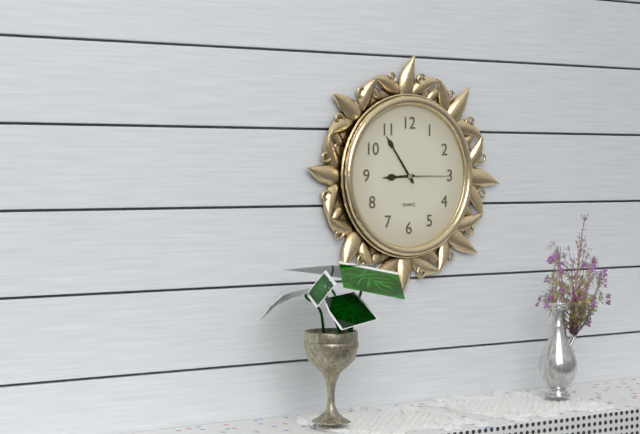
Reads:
h=8 m=54 s=15
